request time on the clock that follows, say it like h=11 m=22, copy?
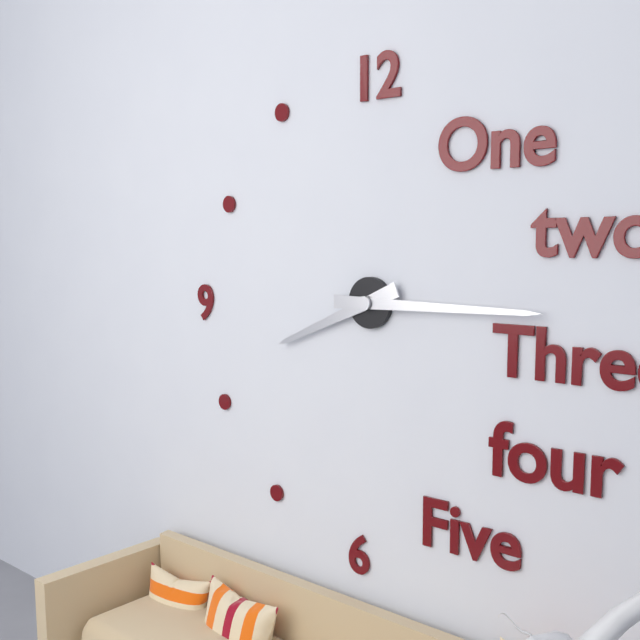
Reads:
h=8 m=15
